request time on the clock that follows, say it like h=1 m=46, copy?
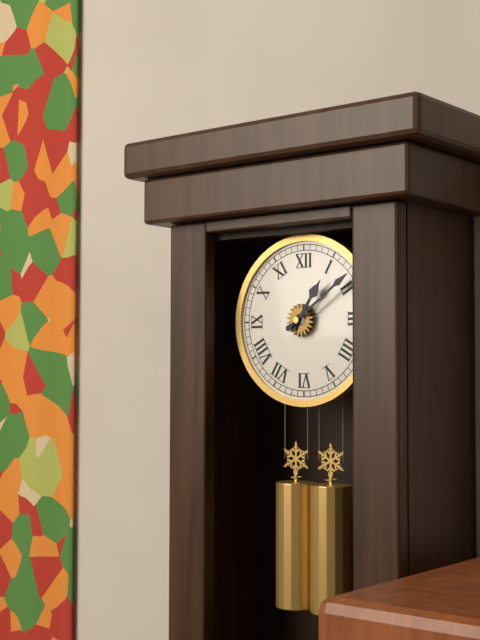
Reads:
h=1 m=9
